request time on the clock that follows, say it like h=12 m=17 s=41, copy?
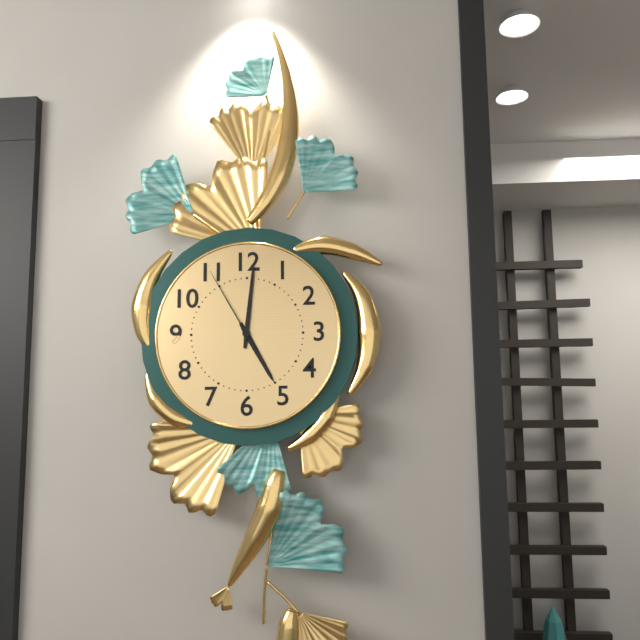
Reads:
h=5 m=1 s=55
